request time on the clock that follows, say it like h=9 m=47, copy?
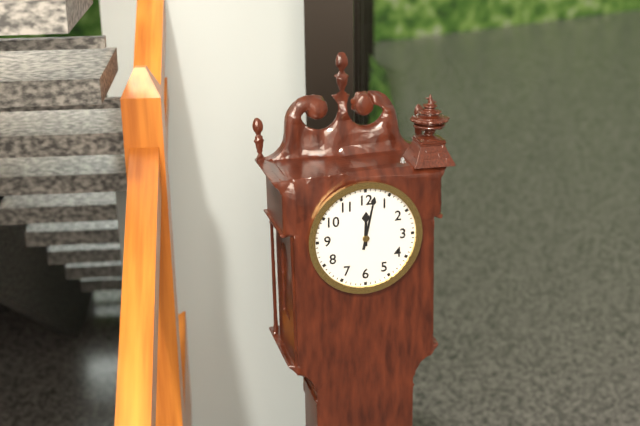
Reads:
h=12 m=2
